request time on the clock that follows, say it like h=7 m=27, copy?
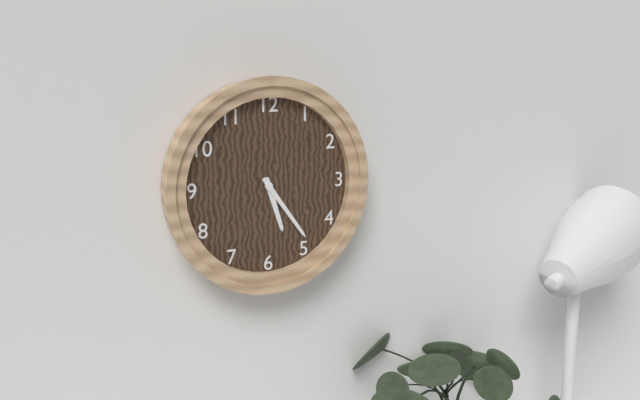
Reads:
h=5 m=24
